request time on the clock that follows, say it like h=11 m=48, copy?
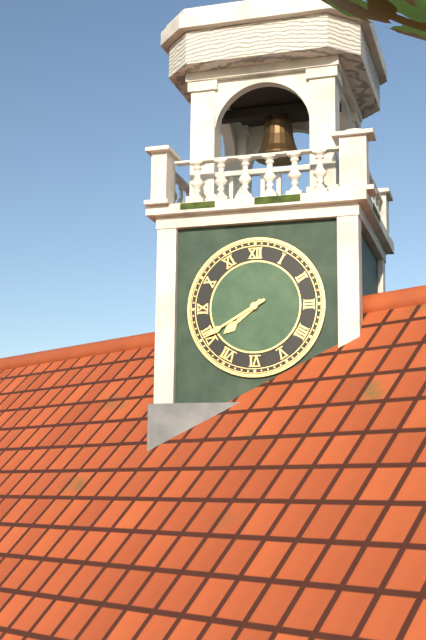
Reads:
h=7 m=40
